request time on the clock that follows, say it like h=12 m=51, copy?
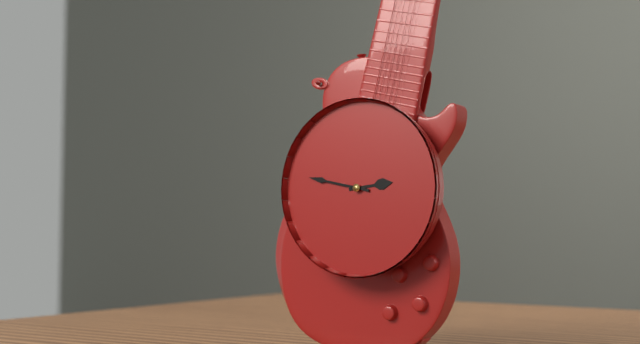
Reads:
h=2 m=47
